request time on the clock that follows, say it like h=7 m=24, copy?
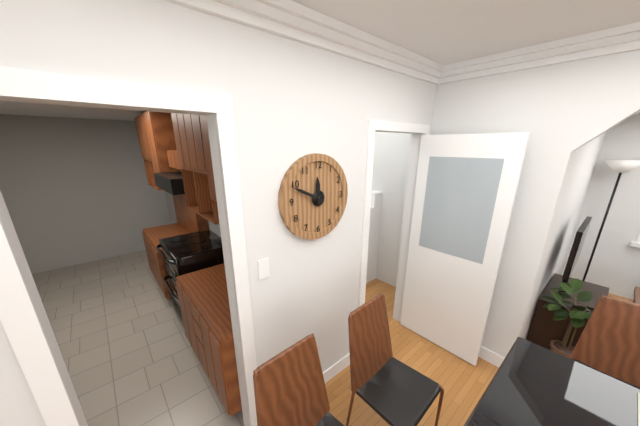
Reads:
h=11 m=49
